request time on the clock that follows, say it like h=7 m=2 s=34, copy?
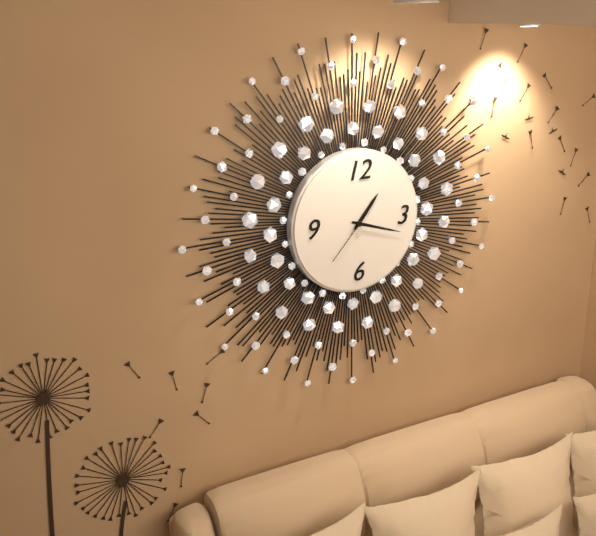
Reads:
h=1 m=18 s=37
